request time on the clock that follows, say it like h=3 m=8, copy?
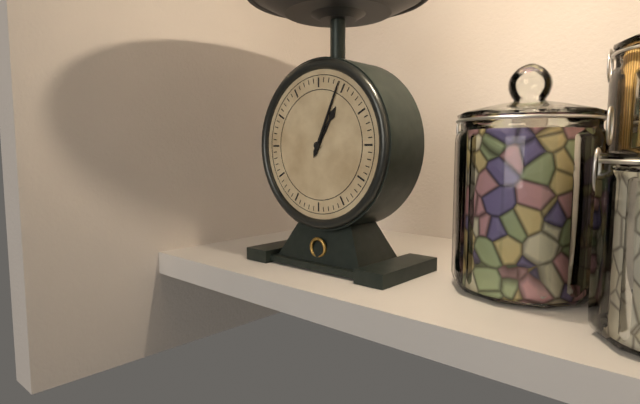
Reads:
h=1 m=4
